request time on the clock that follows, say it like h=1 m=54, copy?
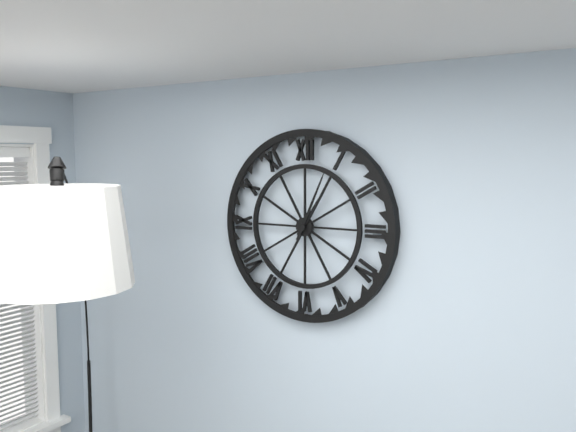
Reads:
h=1 m=4
